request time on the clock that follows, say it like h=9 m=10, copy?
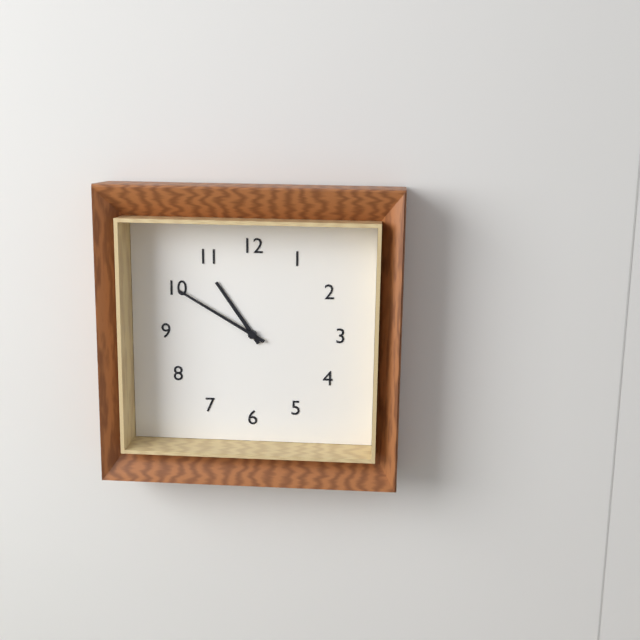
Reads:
h=10 m=50
